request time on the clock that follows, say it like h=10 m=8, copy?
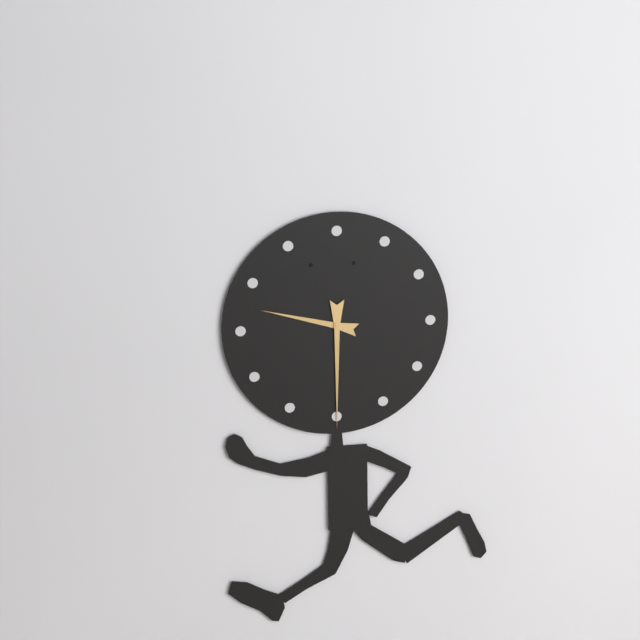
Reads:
h=9 m=30
